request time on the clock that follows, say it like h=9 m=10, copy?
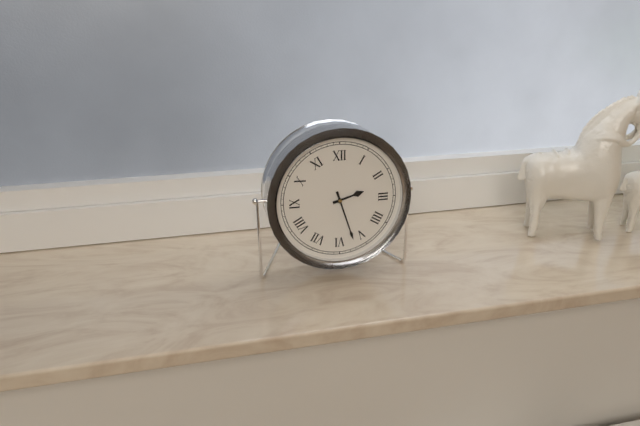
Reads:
h=2 m=27
